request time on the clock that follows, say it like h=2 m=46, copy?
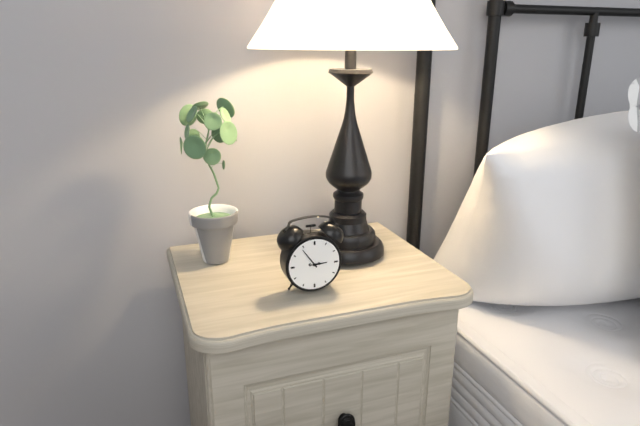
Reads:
h=2 m=54
